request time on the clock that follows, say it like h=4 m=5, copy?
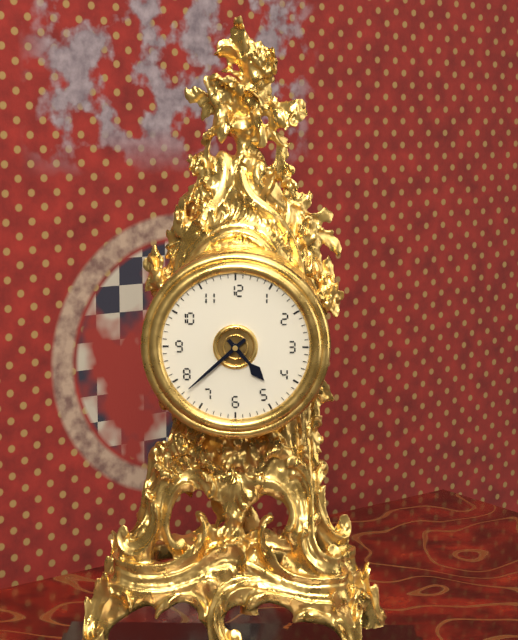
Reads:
h=4 m=38
